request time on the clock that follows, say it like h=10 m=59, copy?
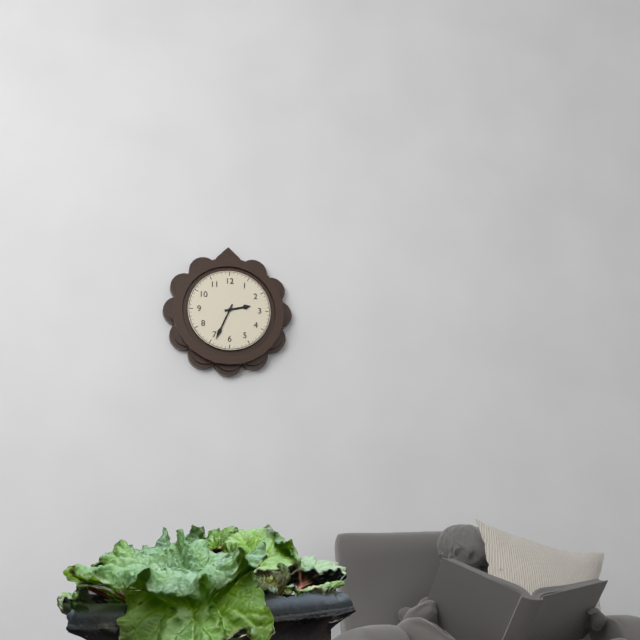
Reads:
h=2 m=34
